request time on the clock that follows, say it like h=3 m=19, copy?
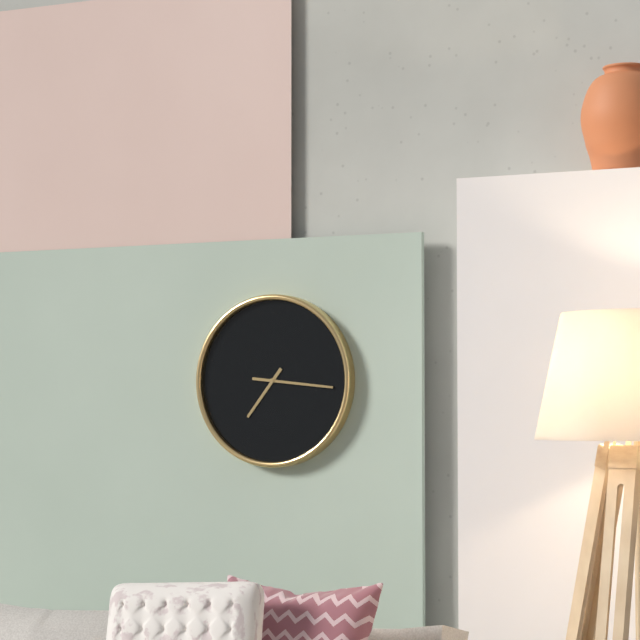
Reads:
h=7 m=16
